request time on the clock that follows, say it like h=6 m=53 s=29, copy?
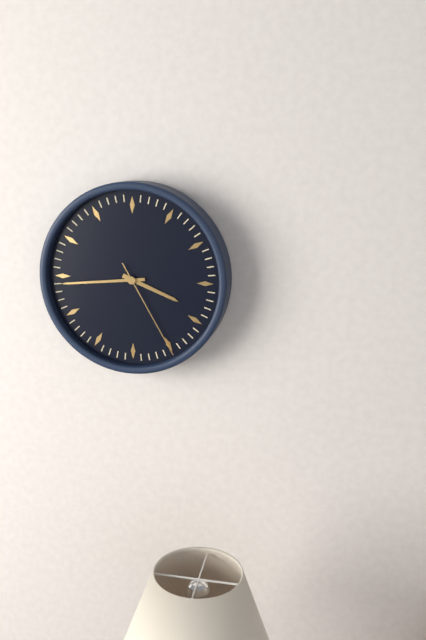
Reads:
h=3 m=44 s=25
